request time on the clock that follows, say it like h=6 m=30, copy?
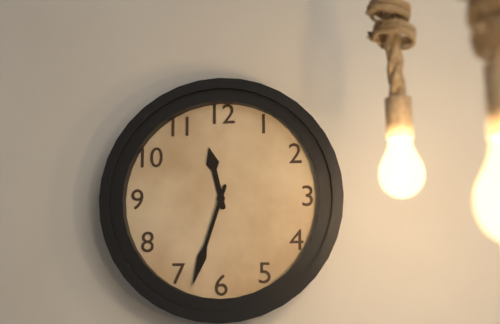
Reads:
h=11 m=33
